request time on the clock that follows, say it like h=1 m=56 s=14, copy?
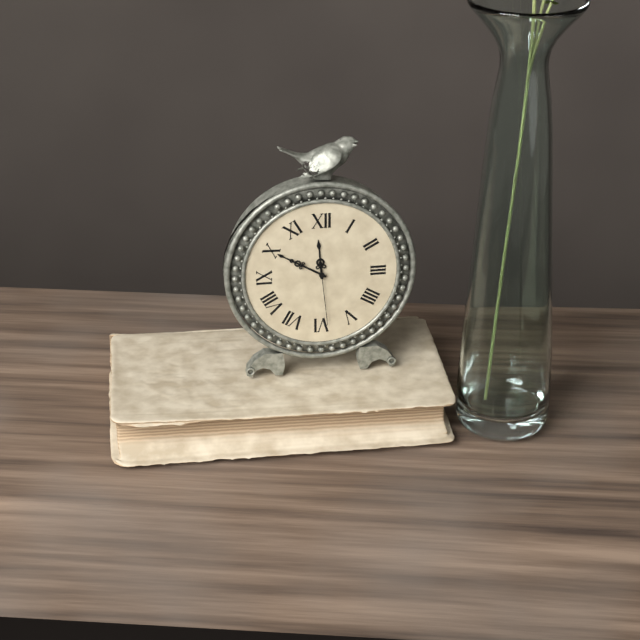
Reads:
h=11 m=50 s=29
